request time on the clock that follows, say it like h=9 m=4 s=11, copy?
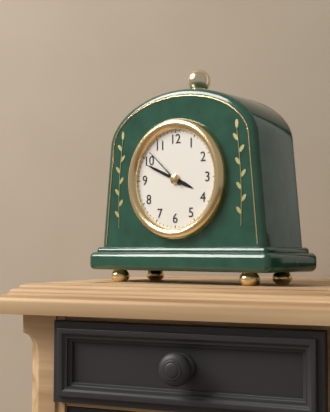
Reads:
h=3 m=49 s=52
